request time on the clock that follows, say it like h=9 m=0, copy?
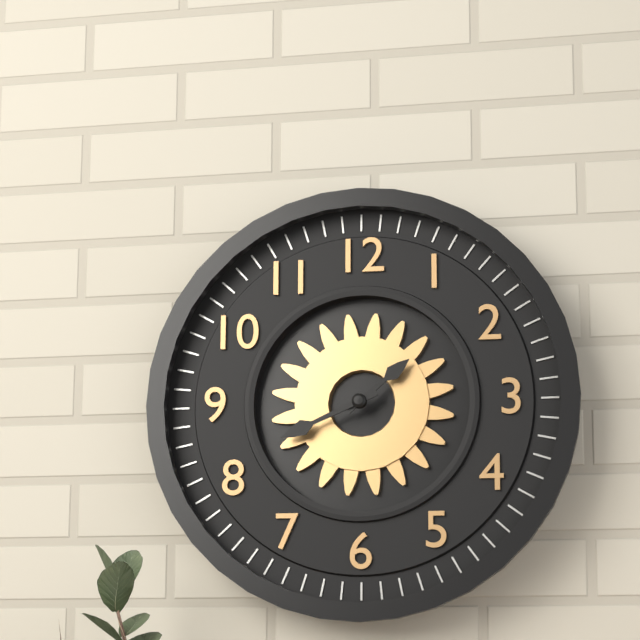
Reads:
h=1 m=41
